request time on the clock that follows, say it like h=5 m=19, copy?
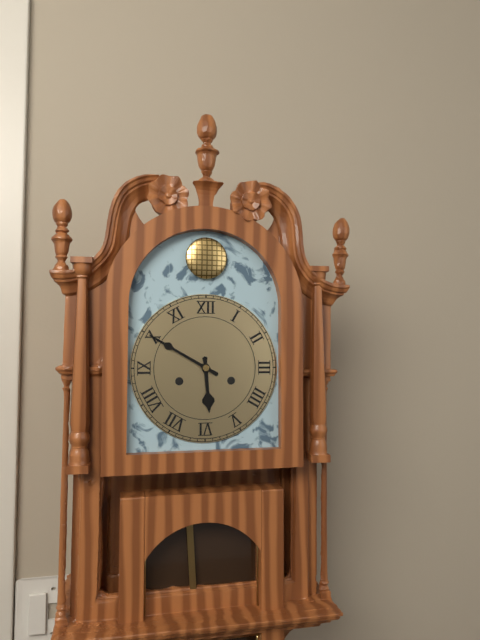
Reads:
h=5 m=50
